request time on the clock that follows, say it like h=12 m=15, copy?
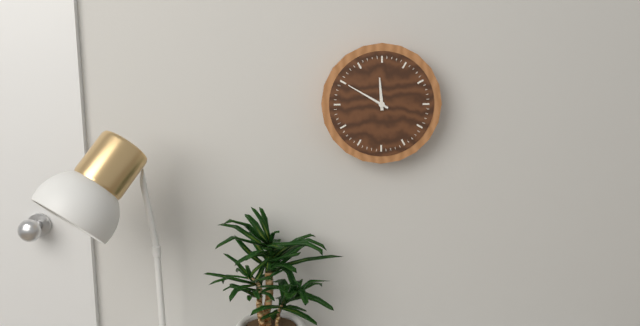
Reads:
h=11 m=50
